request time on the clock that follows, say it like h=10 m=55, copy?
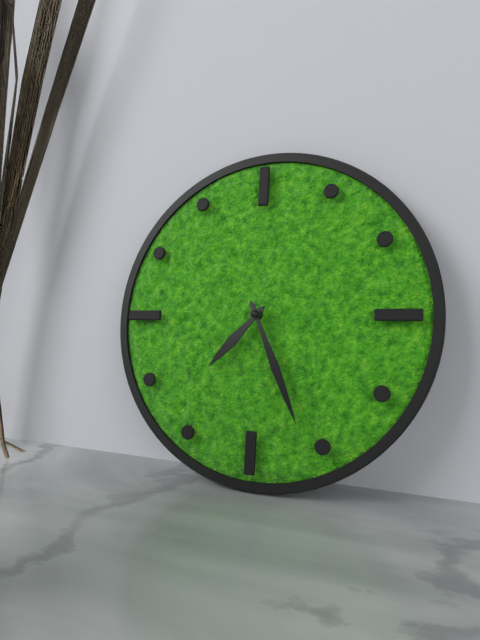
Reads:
h=7 m=26
